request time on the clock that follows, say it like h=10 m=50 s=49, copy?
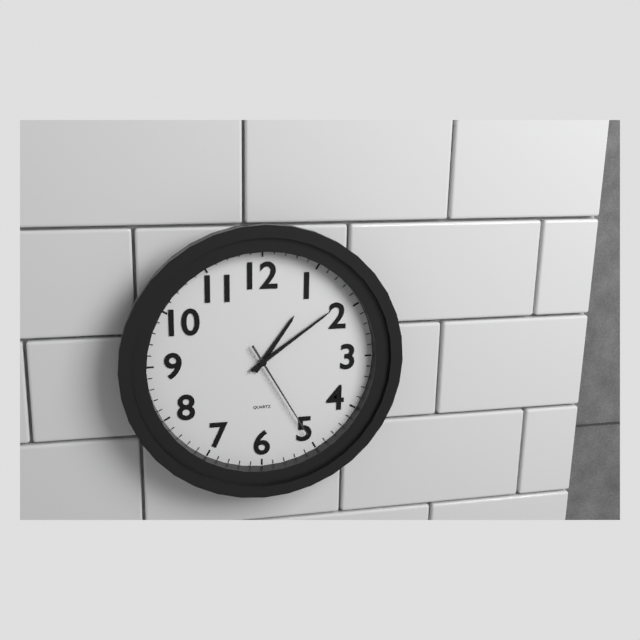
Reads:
h=1 m=9 s=25
